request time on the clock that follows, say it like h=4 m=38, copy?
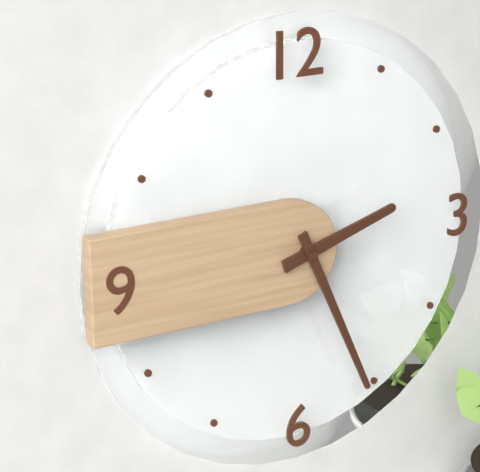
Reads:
h=2 m=26
